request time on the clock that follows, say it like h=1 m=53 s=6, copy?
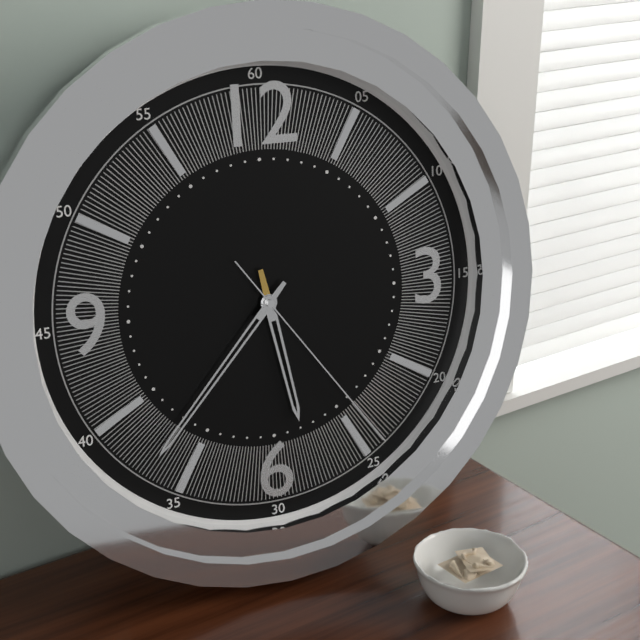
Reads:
h=5 m=37 s=24
